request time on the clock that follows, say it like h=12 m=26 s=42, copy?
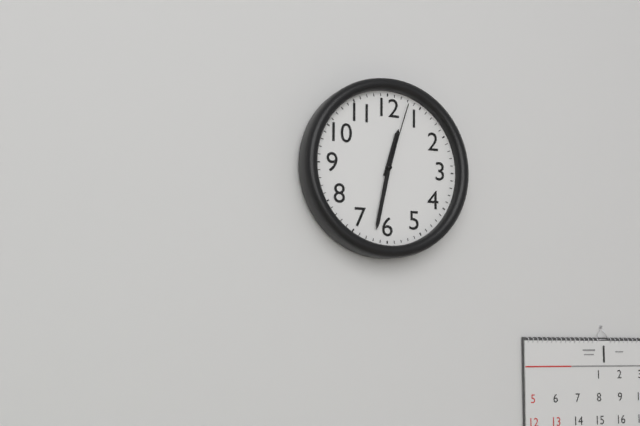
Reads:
h=12 m=32 s=3
